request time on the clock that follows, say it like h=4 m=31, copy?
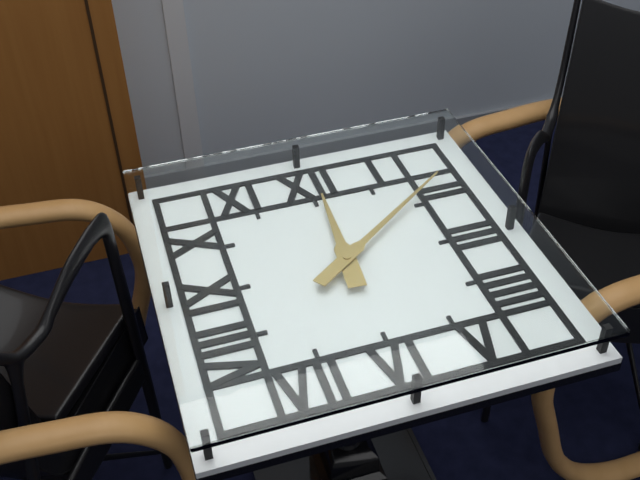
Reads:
h=12 m=9
